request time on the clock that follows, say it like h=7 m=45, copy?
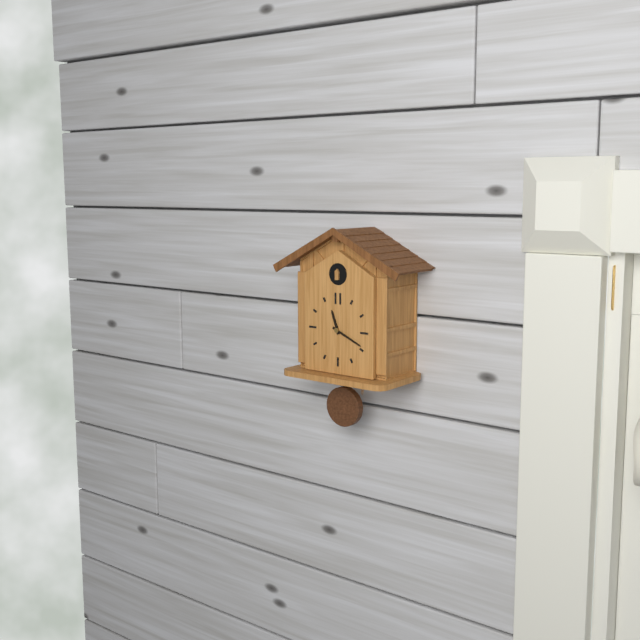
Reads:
h=11 m=19
